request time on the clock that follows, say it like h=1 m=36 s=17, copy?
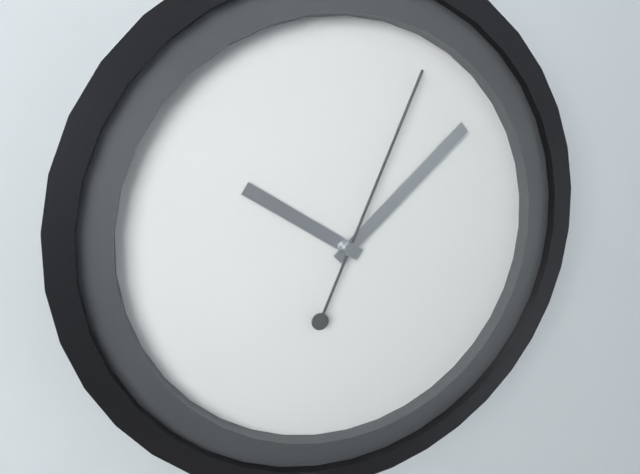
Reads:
h=10 m=8 s=4
